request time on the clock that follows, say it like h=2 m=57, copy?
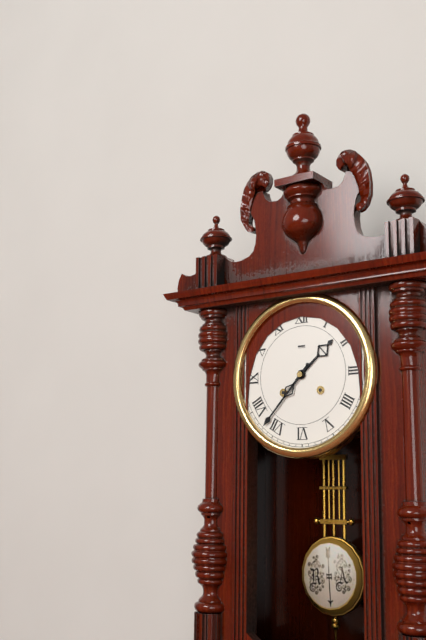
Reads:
h=1 m=37
